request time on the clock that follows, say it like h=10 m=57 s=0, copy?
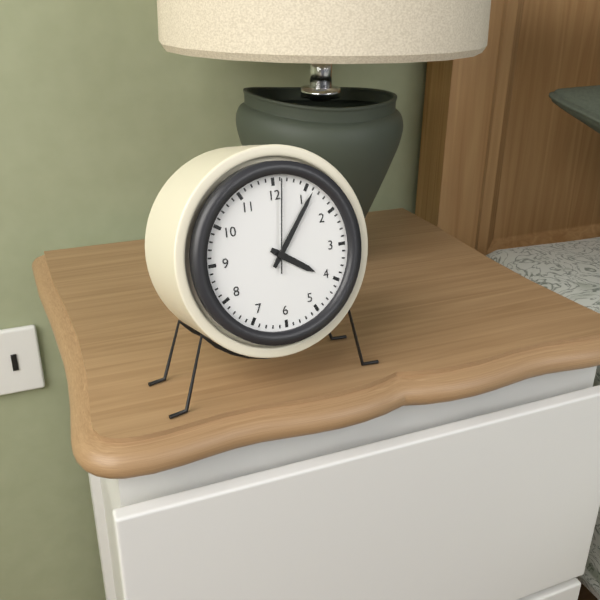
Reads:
h=4 m=6 s=1
